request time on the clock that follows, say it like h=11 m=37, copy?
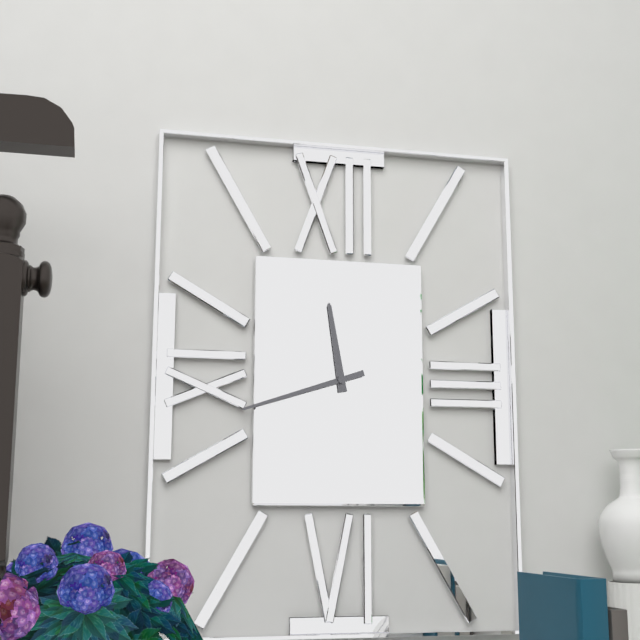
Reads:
h=11 m=42
